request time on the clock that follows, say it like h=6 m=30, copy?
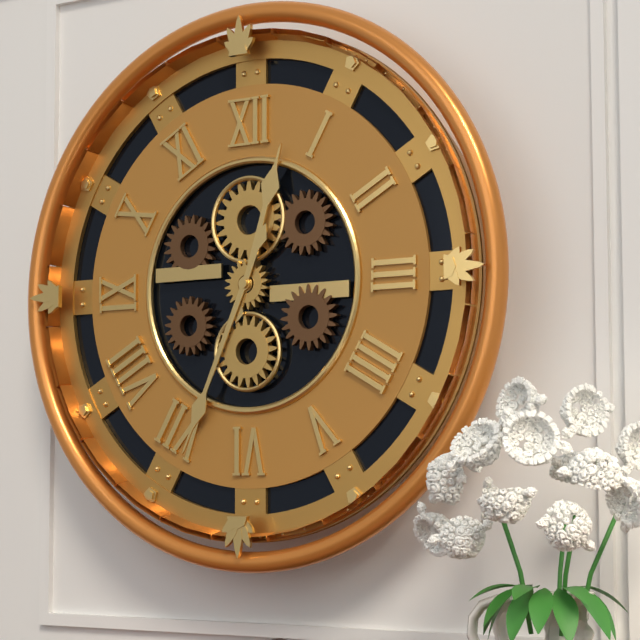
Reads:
h=12 m=34
